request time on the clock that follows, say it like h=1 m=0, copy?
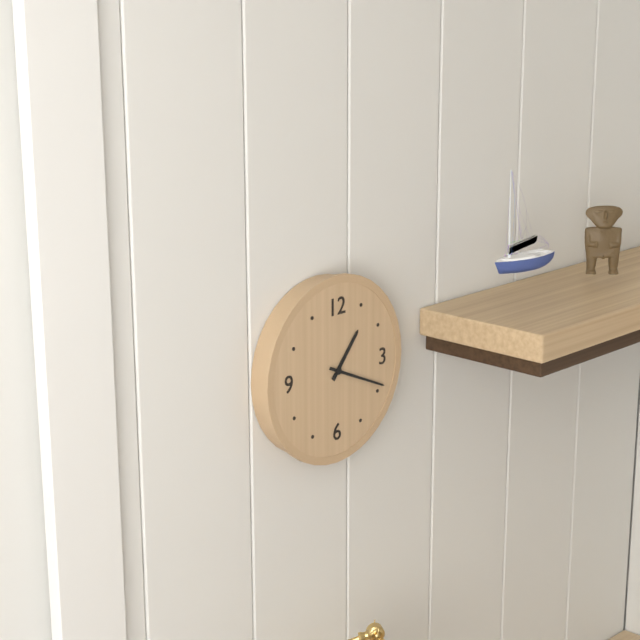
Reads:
h=1 m=19
